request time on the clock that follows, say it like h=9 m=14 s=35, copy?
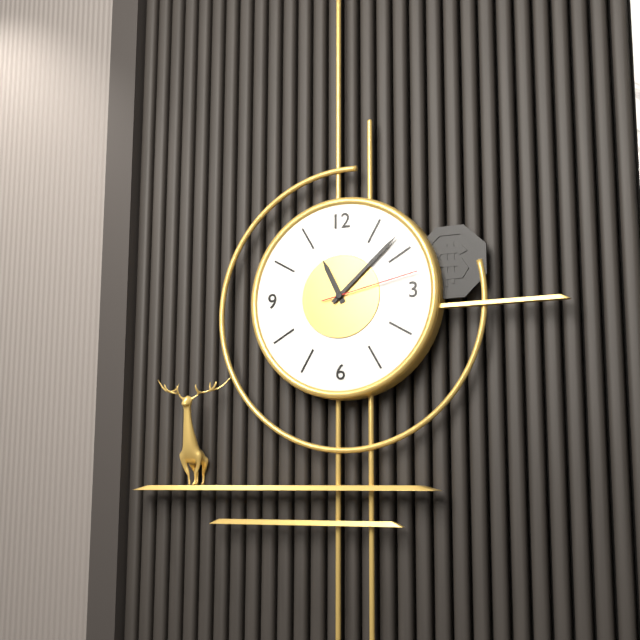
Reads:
h=11 m=8 s=13
